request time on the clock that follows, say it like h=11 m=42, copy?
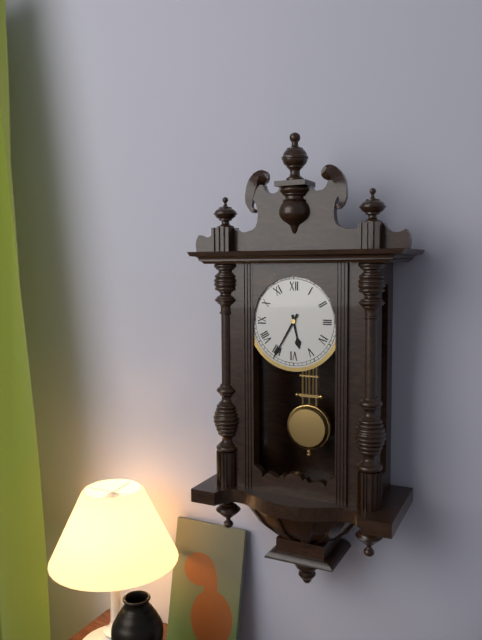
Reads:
h=5 m=35
